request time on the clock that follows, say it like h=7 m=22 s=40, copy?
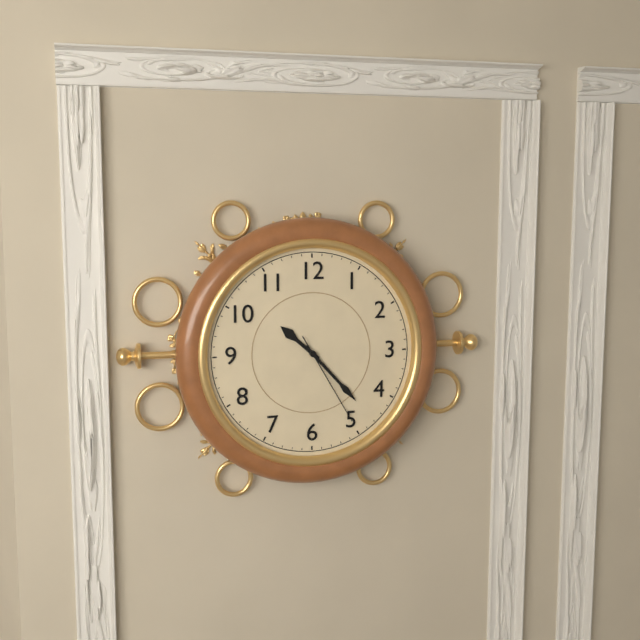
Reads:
h=10 m=23 s=25
